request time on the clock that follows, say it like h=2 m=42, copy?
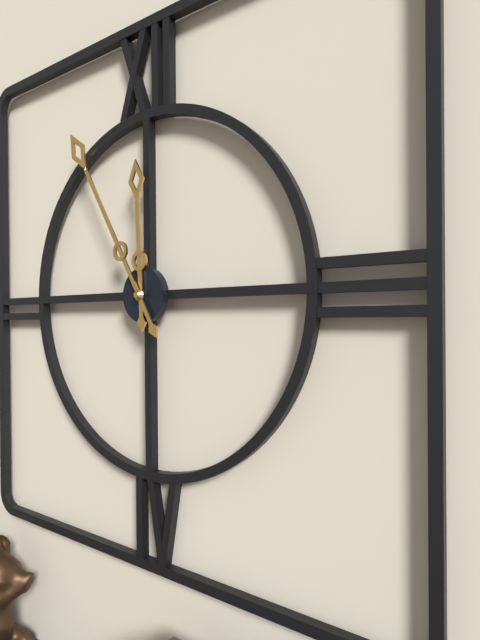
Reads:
h=11 m=55
